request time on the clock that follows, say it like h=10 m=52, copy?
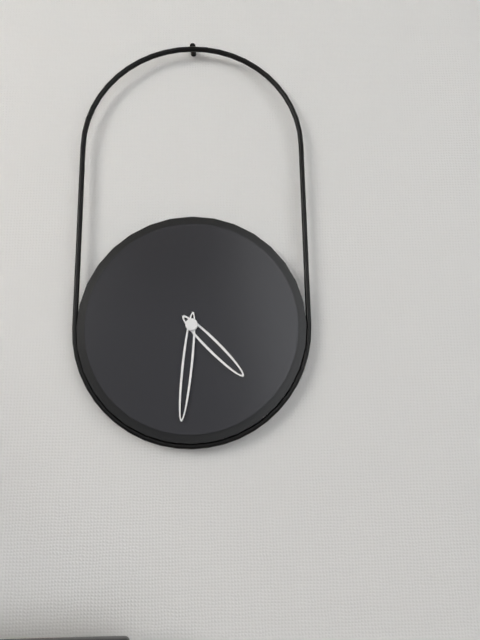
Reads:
h=4 m=31
